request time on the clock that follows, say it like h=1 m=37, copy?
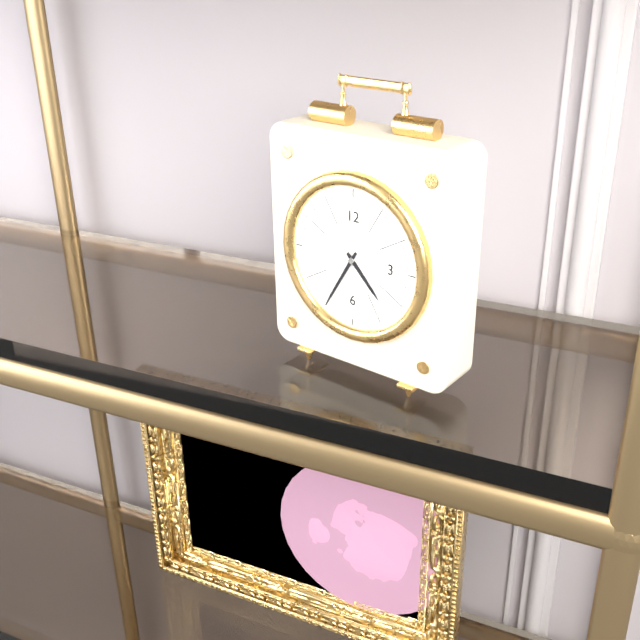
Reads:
h=4 m=35
